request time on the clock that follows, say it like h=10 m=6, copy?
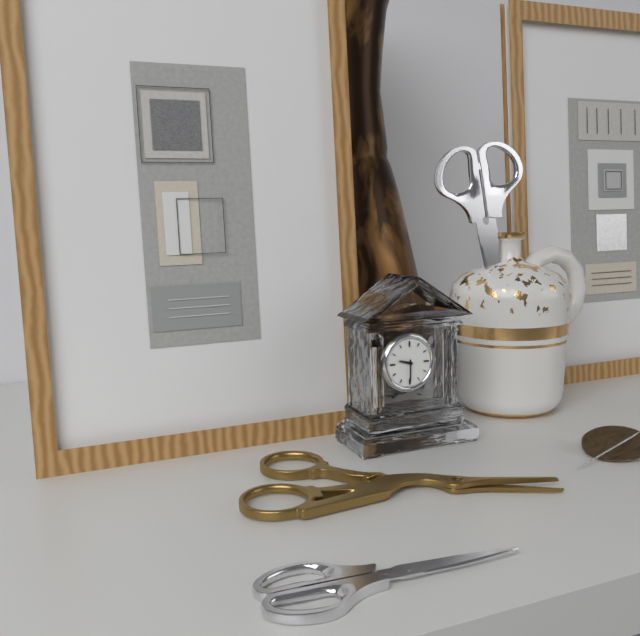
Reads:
h=9 m=30
